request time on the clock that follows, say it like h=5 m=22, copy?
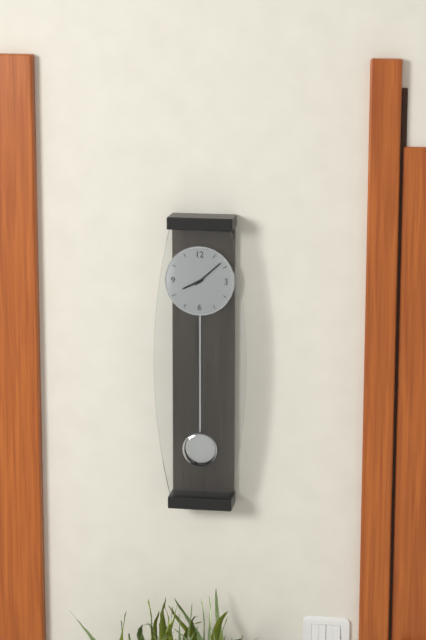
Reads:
h=8 m=8
